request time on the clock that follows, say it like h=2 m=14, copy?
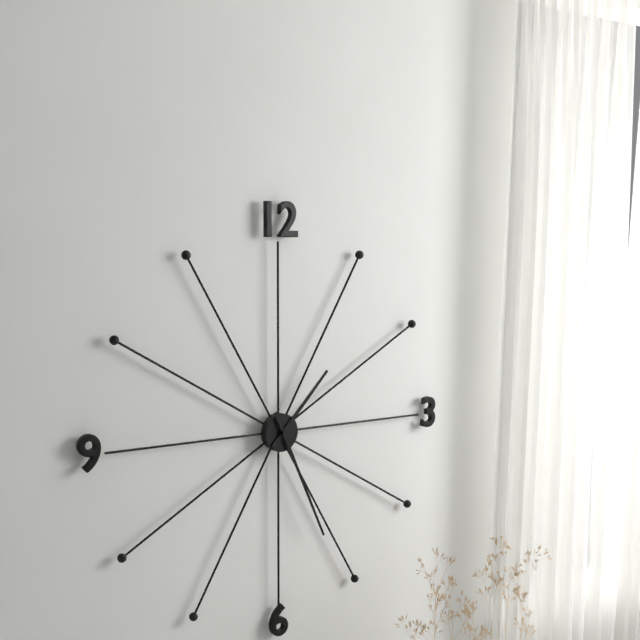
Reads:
h=1 m=26
